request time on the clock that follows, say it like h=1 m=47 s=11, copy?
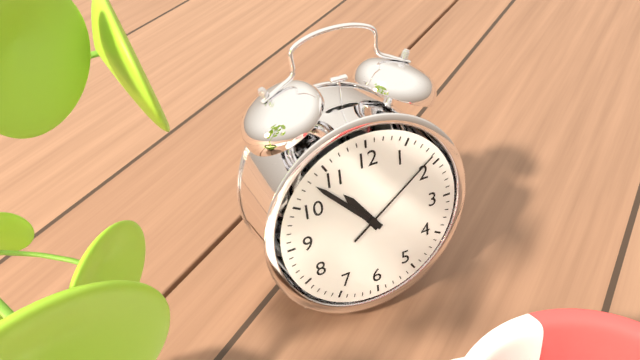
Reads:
h=10 m=53 s=9
